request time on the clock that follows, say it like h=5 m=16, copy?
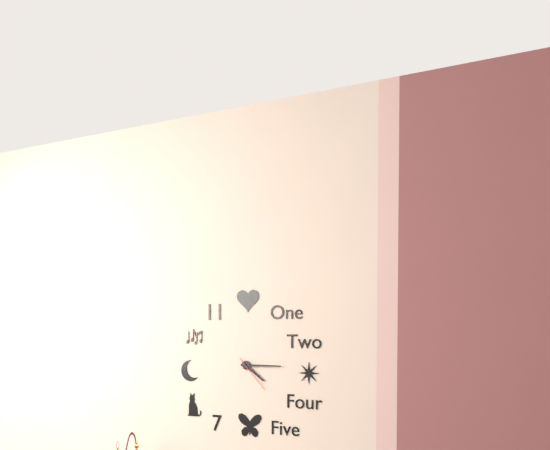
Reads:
h=4 m=15
